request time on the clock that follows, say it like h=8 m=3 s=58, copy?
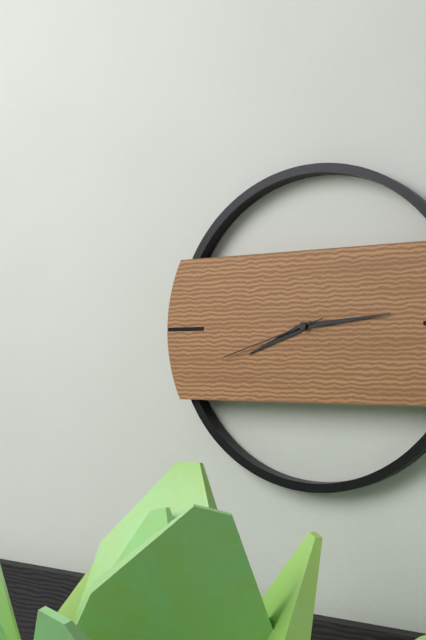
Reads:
h=8 m=14 s=42
